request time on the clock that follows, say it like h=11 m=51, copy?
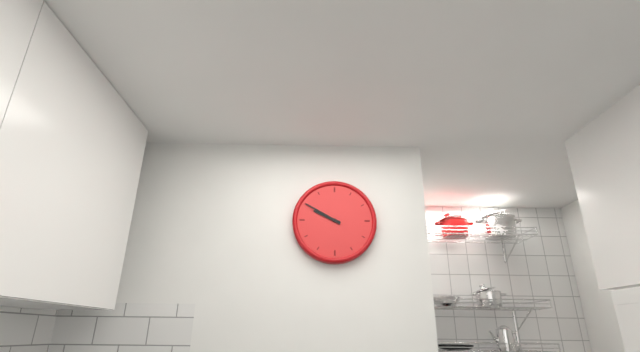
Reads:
h=9 m=50
